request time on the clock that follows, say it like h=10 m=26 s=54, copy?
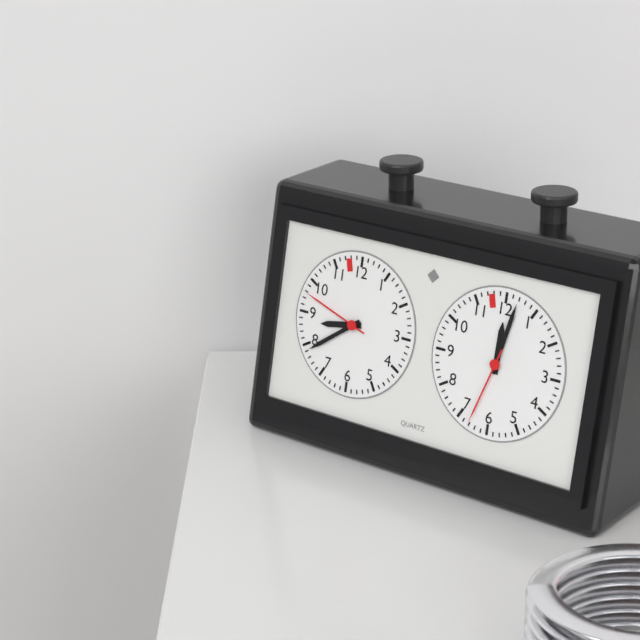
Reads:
h=8 m=39 s=48
